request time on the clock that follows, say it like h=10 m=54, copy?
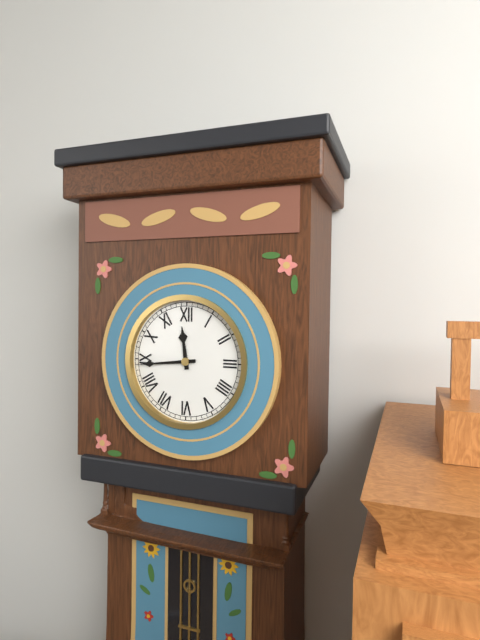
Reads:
h=11 m=44
